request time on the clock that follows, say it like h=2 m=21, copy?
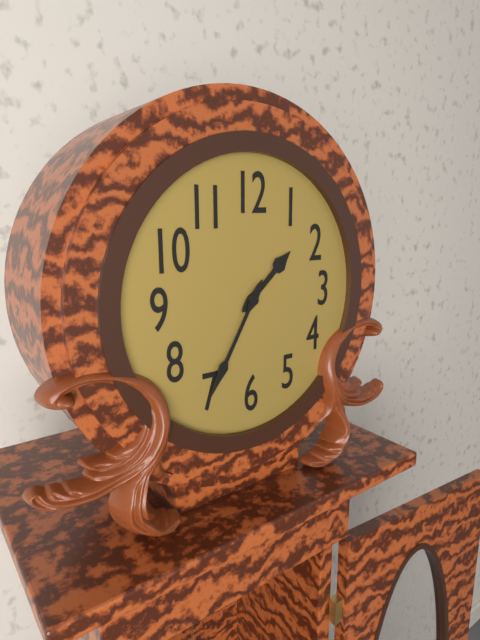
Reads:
h=1 m=35
